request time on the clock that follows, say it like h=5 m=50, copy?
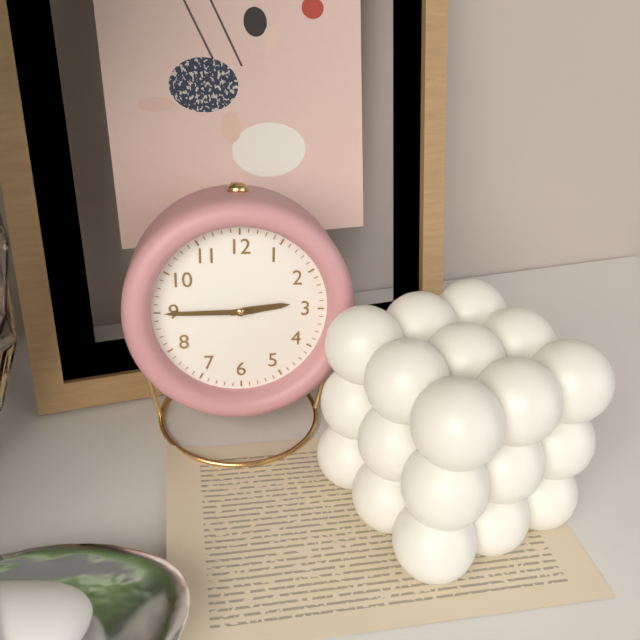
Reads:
h=2 m=45
